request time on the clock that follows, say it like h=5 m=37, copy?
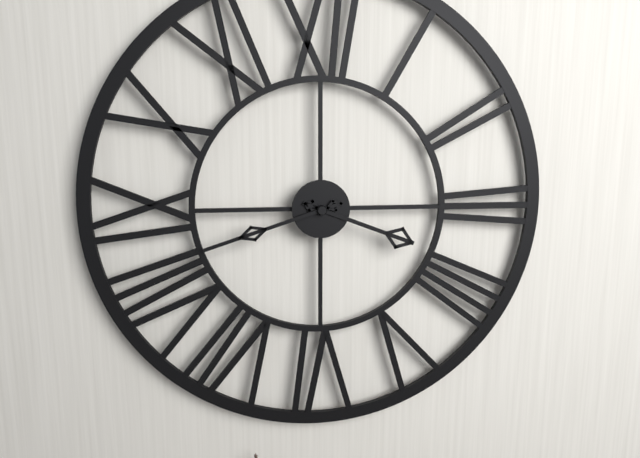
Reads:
h=3 m=42
